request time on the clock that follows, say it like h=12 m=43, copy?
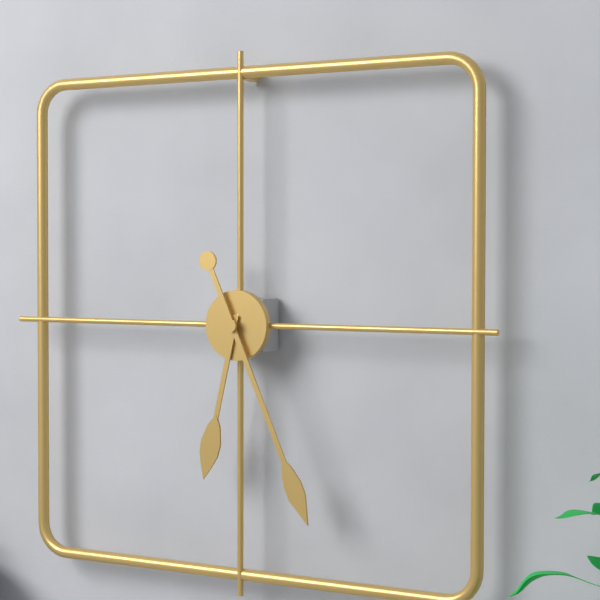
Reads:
h=6 m=26
